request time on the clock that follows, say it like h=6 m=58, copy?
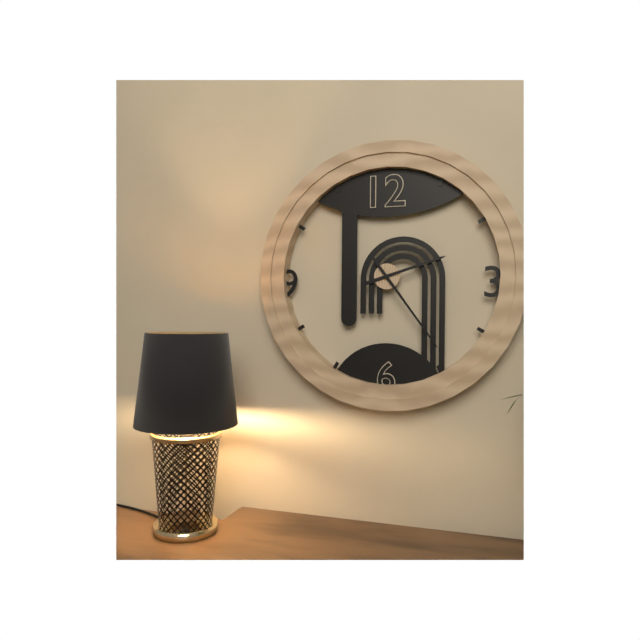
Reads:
h=2 m=24
